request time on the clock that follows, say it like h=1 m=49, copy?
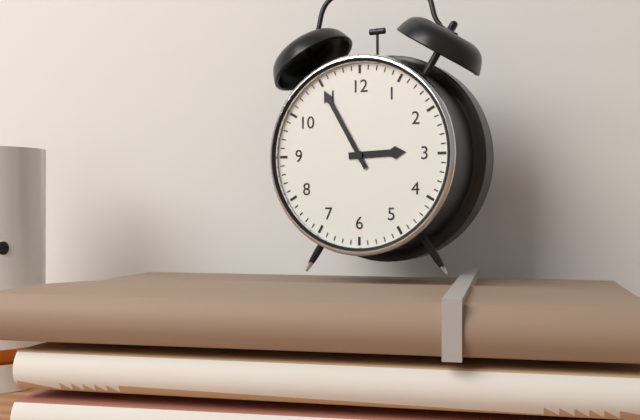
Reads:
h=2 m=55
